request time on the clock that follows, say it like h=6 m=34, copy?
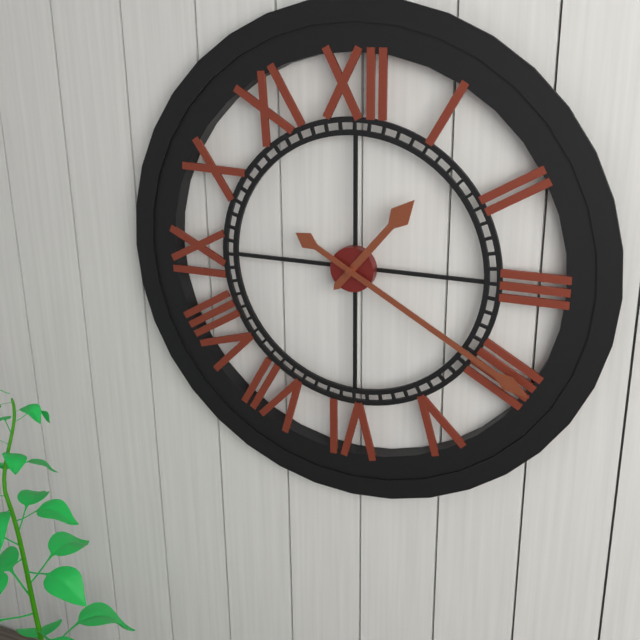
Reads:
h=1 m=20
